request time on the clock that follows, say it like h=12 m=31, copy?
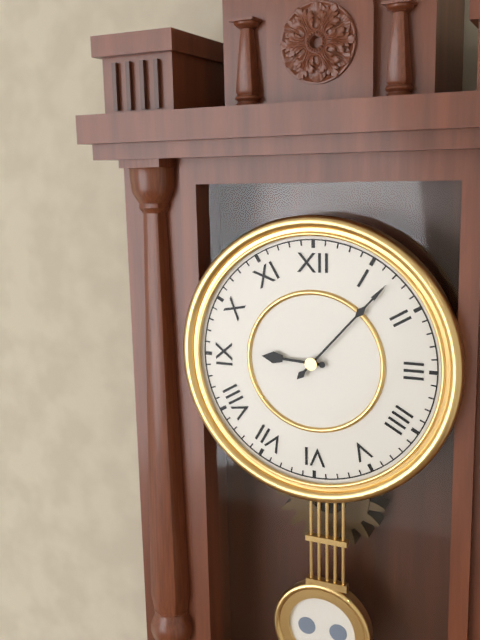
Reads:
h=9 m=7
